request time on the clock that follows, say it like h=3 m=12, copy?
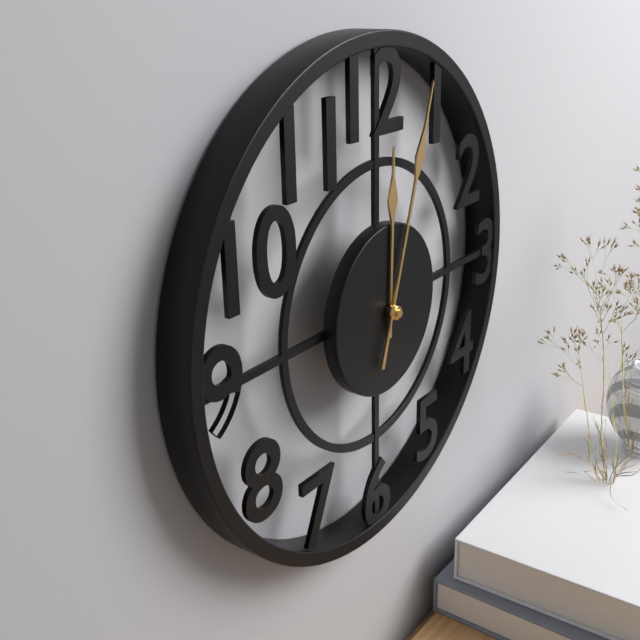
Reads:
h=12 m=3
